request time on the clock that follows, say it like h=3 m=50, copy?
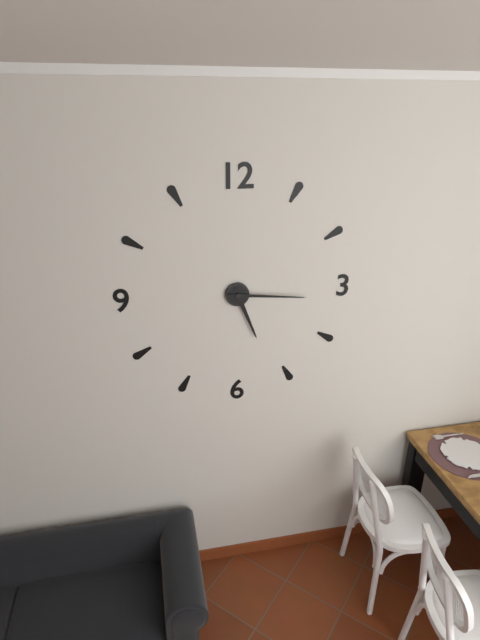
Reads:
h=5 m=16
